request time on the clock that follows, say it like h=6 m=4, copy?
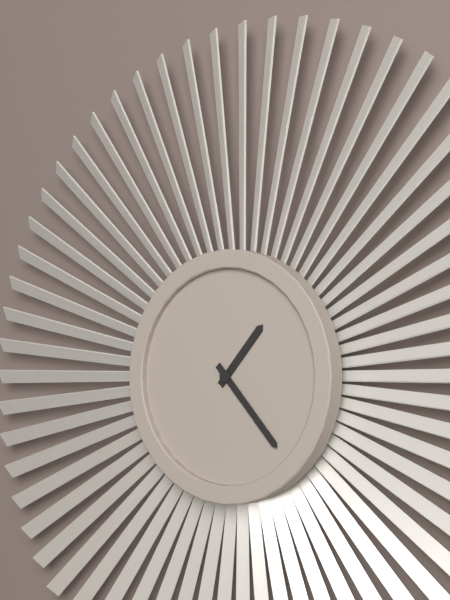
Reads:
h=1 m=23
